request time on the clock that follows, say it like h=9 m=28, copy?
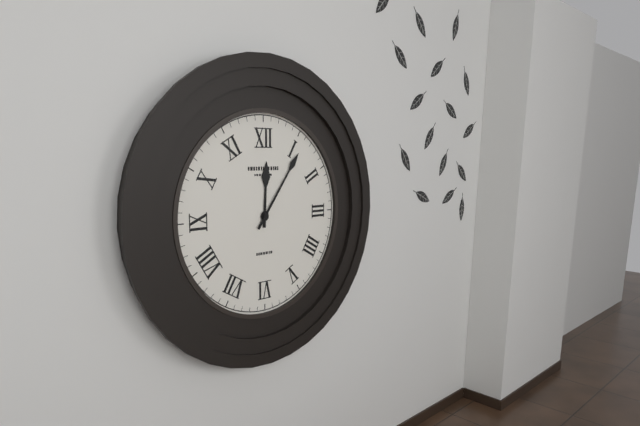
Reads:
h=12 m=6
